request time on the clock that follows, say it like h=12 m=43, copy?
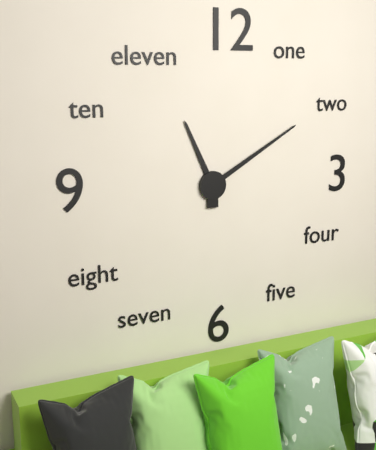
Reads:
h=11 m=10
